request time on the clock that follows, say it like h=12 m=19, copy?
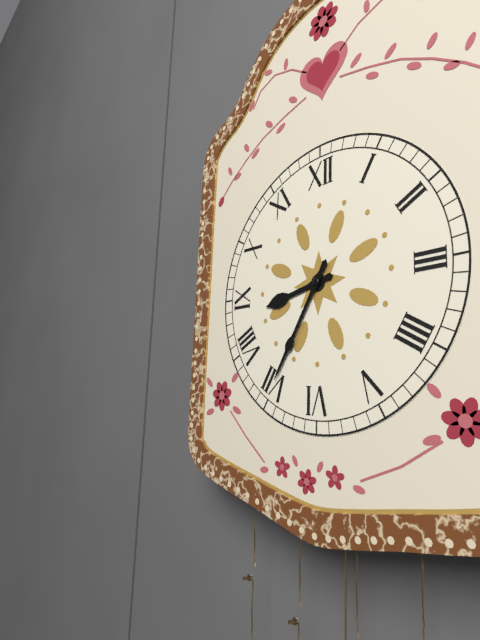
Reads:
h=8 m=35
